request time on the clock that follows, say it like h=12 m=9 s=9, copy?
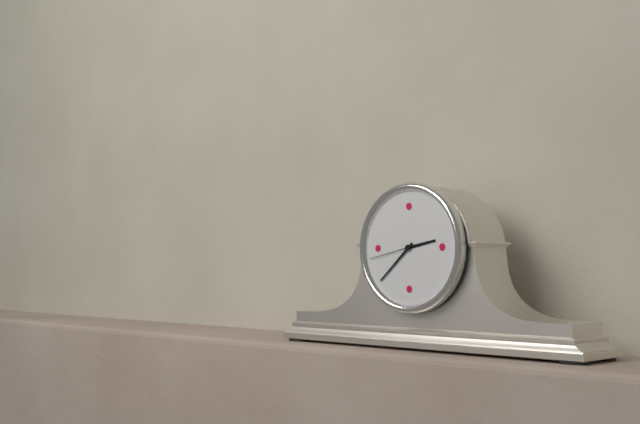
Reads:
h=2 m=38 s=43
